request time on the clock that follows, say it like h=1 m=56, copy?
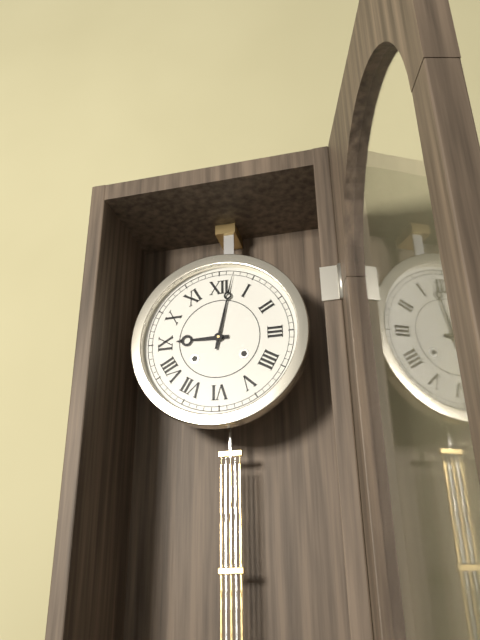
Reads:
h=9 m=2
